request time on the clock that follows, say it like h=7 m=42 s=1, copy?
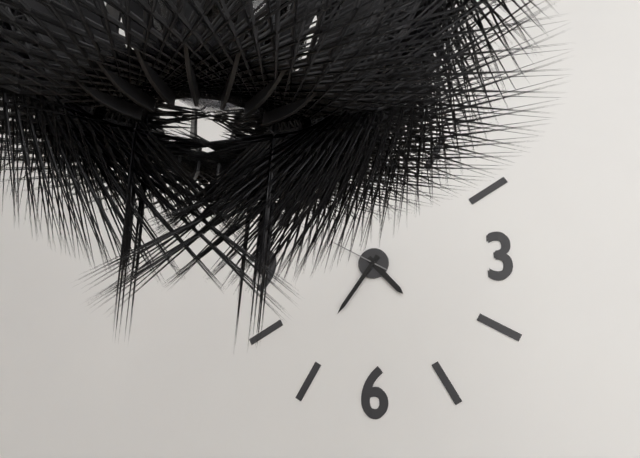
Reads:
h=4 m=36 s=50
